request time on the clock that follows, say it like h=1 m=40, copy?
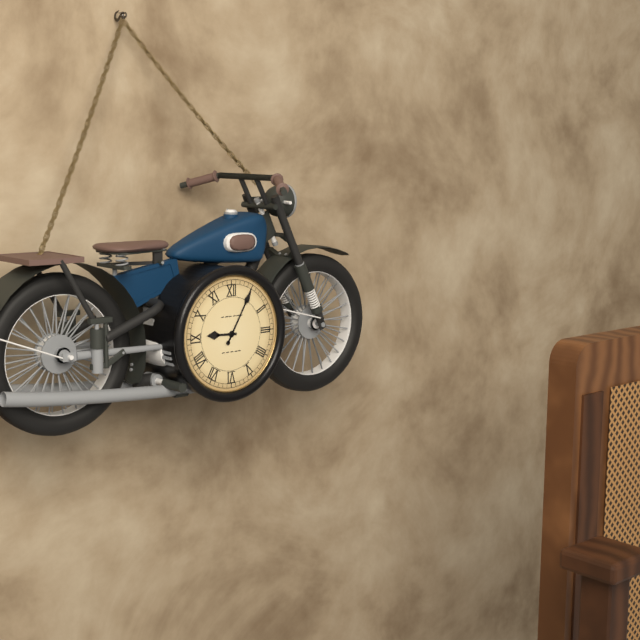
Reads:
h=9 m=5
